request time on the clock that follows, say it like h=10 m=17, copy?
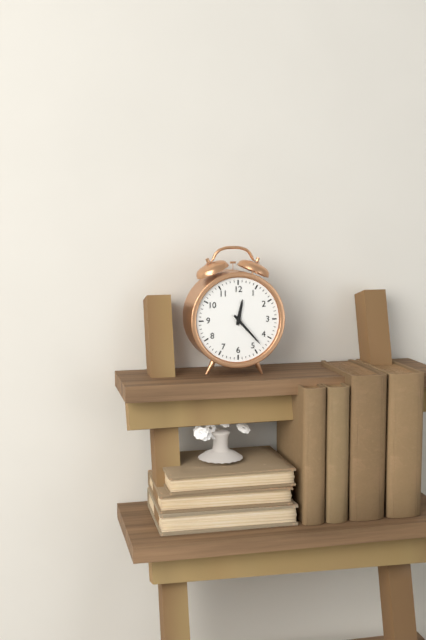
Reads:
h=12 m=23
